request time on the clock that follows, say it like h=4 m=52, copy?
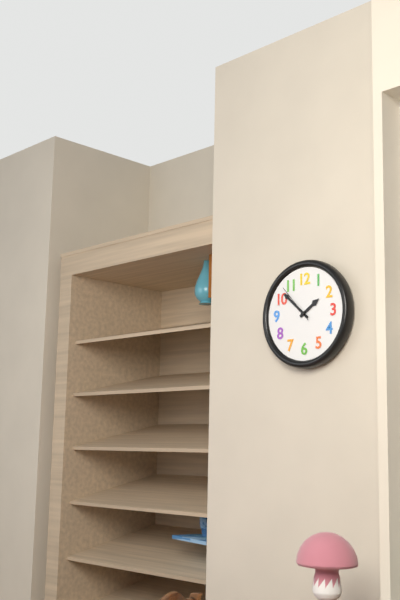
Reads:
h=1 m=52
